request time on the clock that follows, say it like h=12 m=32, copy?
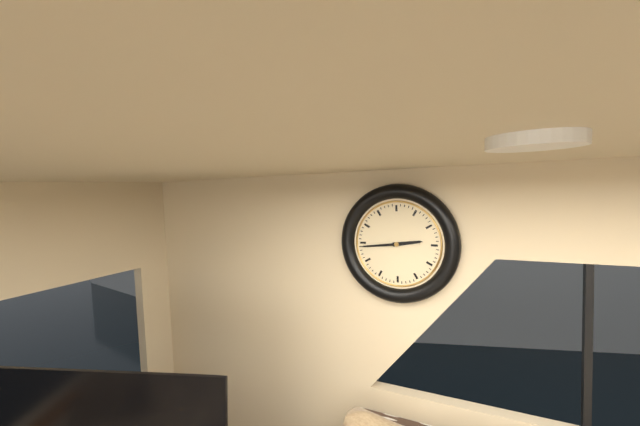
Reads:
h=2 m=44
